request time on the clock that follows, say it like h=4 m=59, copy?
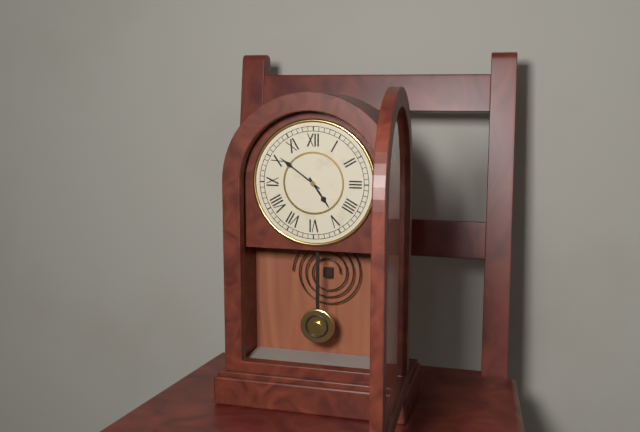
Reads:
h=4 m=51
